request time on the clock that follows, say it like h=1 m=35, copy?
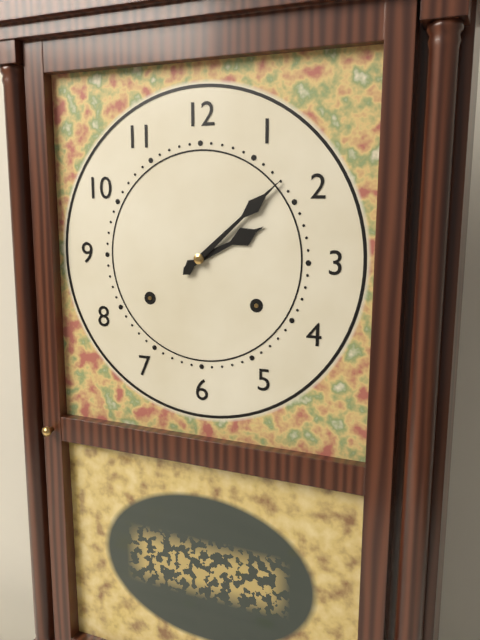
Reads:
h=2 m=8
